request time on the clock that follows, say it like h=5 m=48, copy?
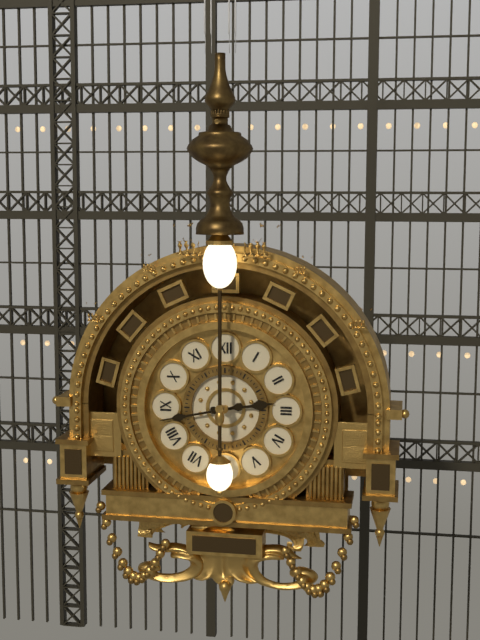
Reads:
h=2 m=43
